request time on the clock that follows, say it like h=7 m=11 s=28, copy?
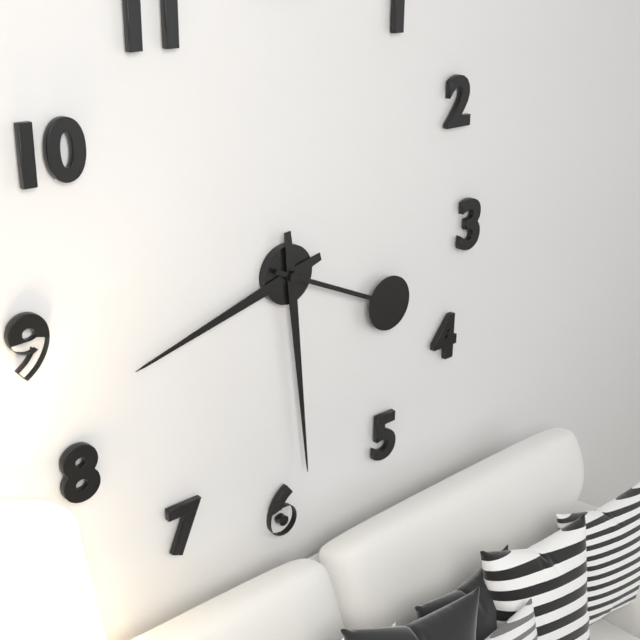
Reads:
h=8 m=29 s=19
